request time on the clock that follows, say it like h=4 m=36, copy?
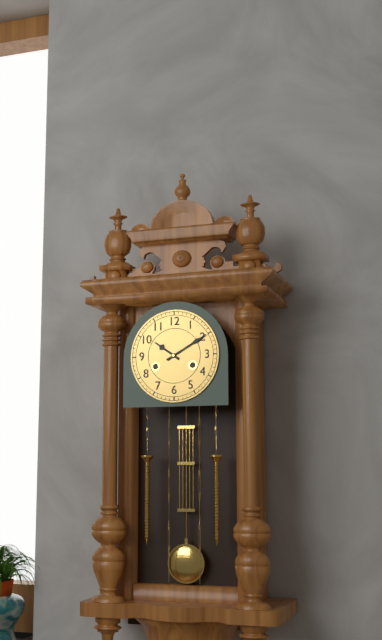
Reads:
h=10 m=10
